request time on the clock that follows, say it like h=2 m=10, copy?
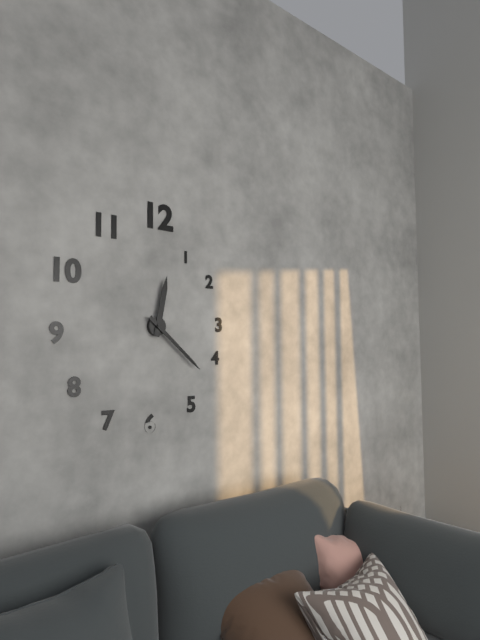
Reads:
h=12 m=22
